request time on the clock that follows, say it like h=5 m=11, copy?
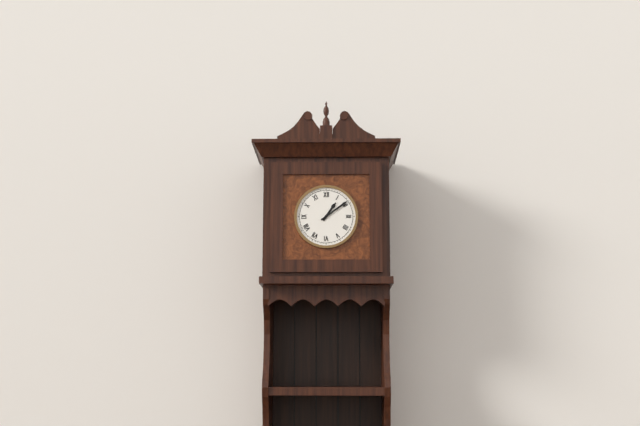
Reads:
h=1 m=9
